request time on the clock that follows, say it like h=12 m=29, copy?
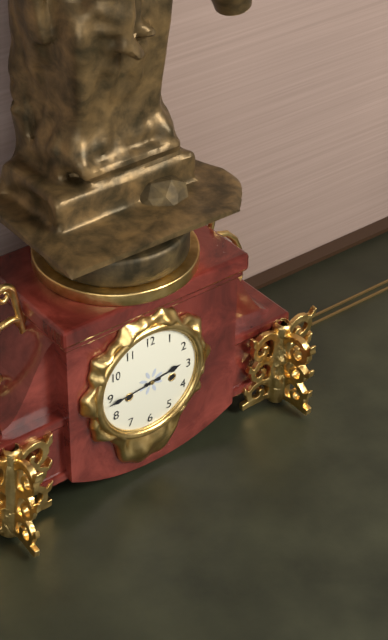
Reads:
h=2 m=44
